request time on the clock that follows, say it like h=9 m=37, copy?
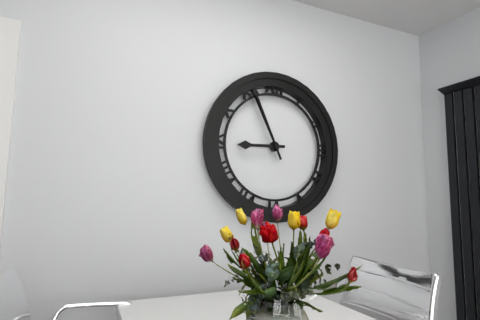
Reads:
h=8 m=56
